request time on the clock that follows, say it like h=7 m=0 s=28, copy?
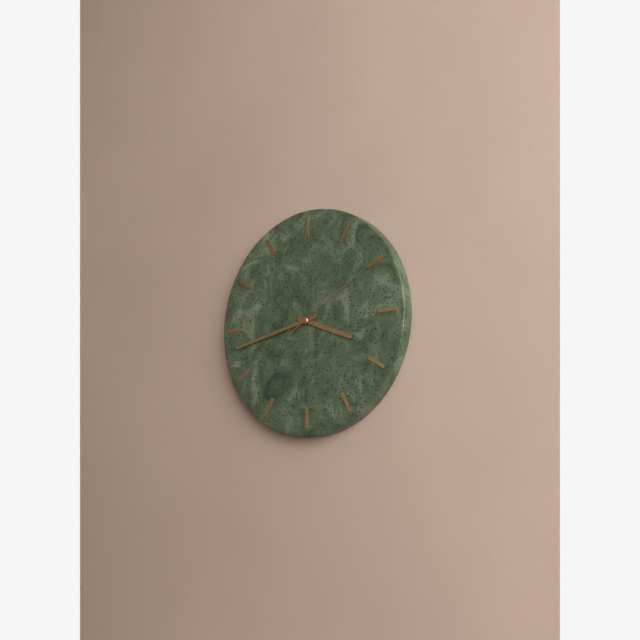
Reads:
h=3 m=43 s=10
